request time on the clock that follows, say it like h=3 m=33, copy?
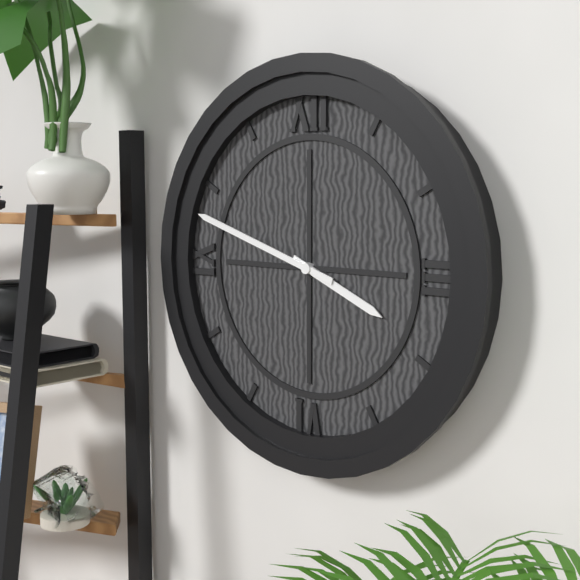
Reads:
h=3 m=48
